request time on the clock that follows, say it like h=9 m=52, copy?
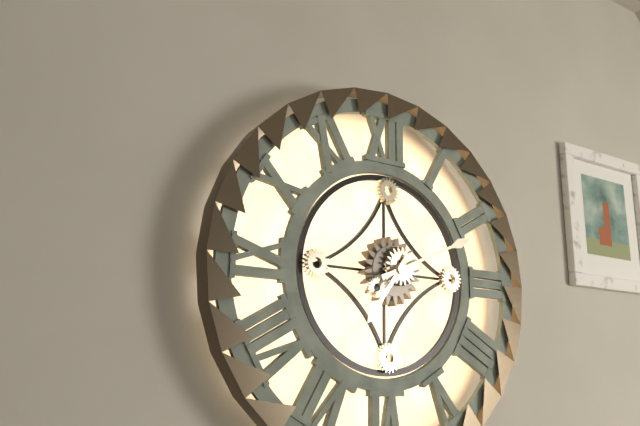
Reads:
h=7 m=11
